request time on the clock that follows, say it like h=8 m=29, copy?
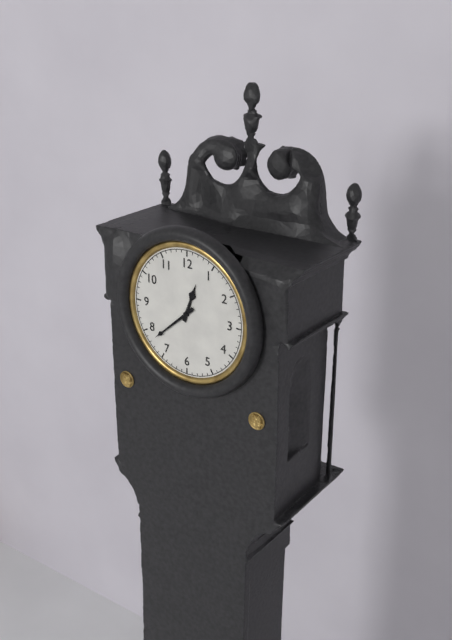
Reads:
h=12 m=38
